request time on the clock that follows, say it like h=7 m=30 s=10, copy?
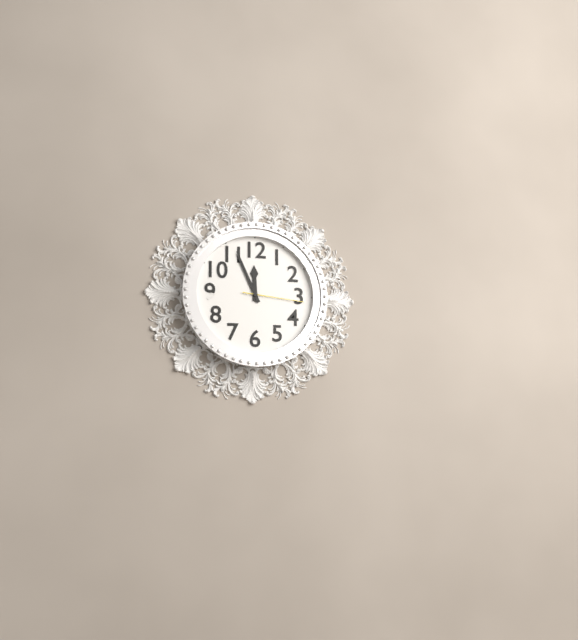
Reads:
h=11 m=56 s=16
